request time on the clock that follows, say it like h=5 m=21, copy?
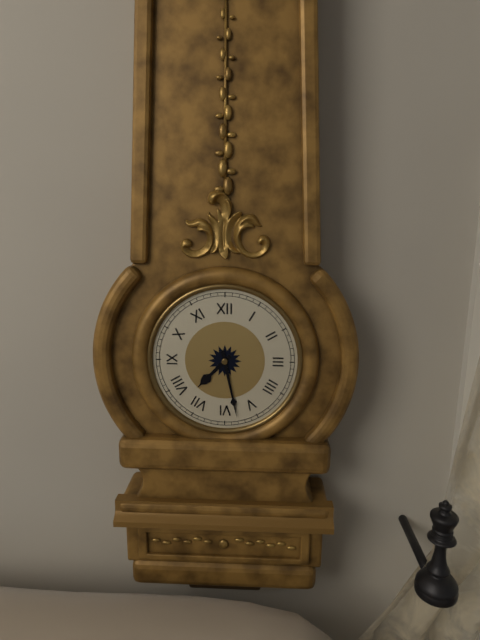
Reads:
h=7 m=28
